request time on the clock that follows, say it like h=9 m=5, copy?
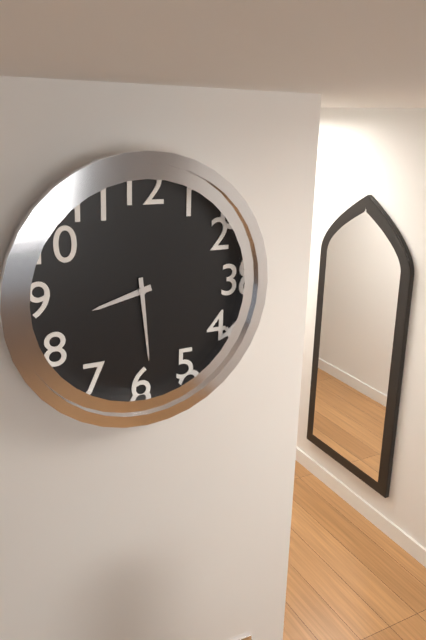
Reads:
h=8 m=29
